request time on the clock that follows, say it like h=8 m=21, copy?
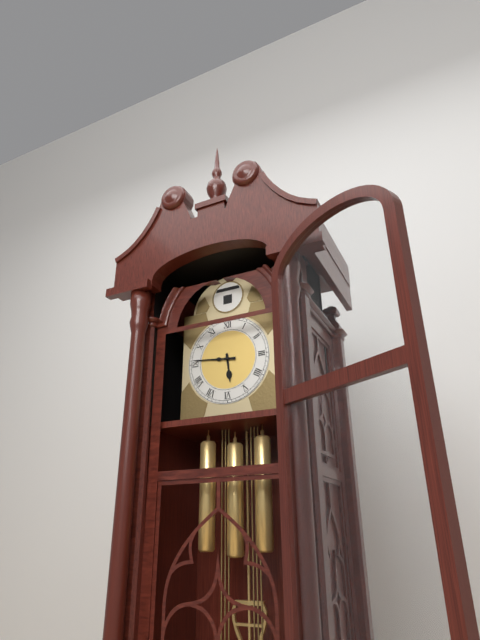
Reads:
h=5 m=46
